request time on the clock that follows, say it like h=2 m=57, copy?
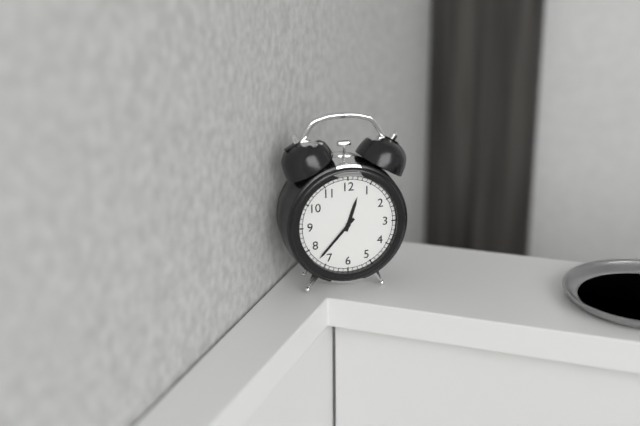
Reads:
h=12 m=37
